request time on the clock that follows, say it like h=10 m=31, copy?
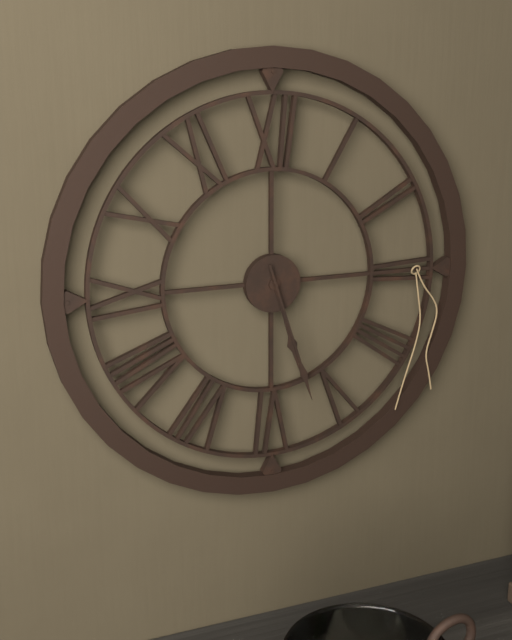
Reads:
h=5 m=27
